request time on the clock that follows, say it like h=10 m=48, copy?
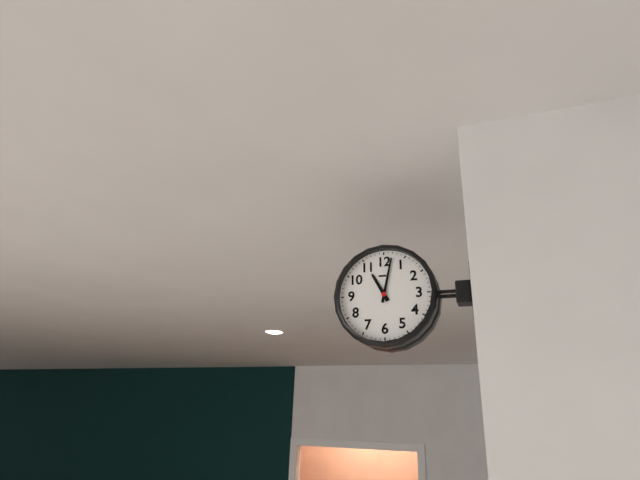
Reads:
h=11 m=2
